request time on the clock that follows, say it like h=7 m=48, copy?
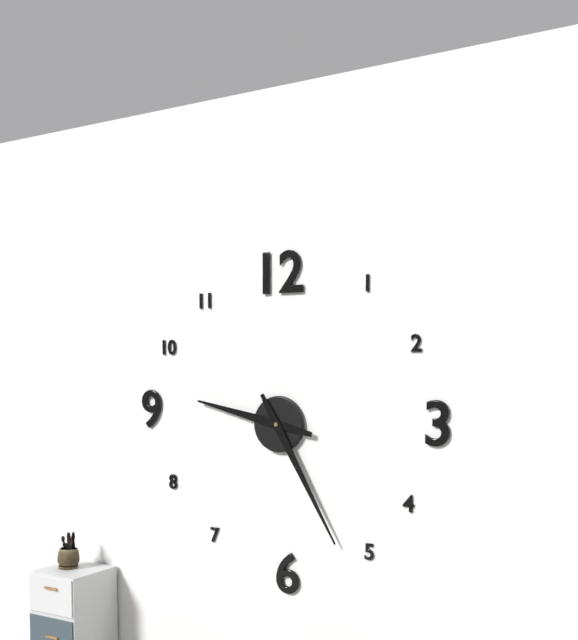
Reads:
h=9 m=25
